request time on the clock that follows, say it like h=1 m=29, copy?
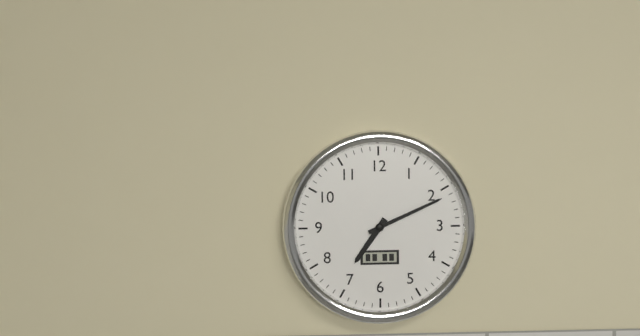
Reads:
h=7 m=11
